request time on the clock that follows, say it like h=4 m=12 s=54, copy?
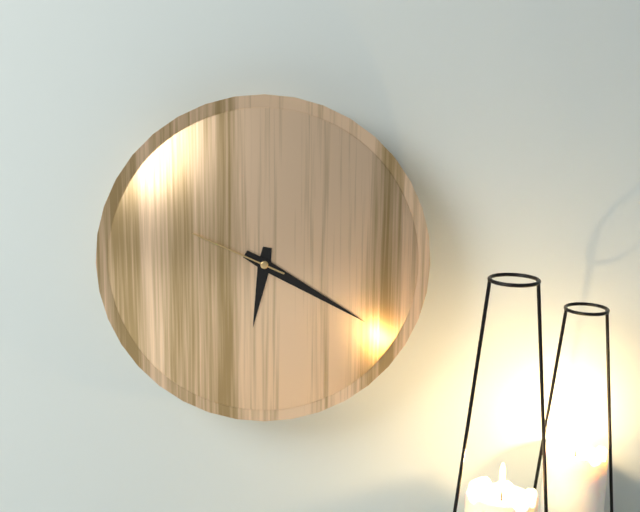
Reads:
h=6 m=20 s=49
